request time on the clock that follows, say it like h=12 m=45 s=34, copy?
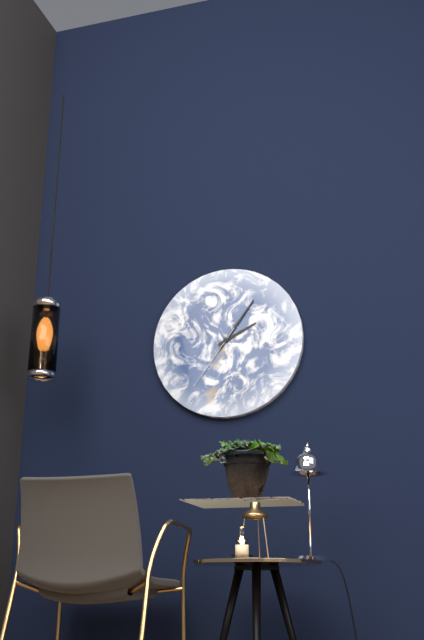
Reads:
h=2 m=6 s=36
